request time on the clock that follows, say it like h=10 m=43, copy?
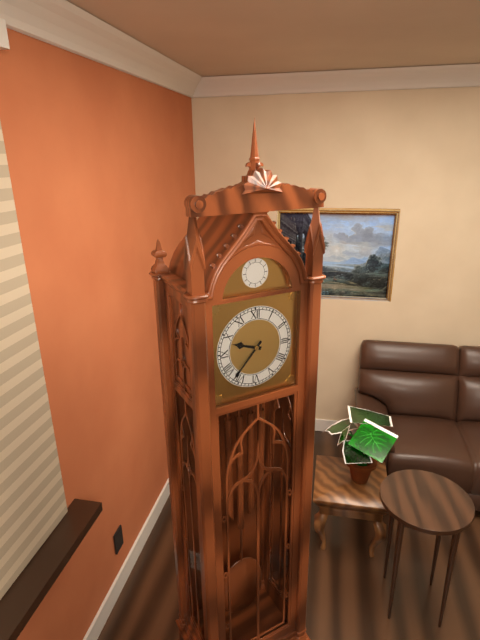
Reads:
h=9 m=37
